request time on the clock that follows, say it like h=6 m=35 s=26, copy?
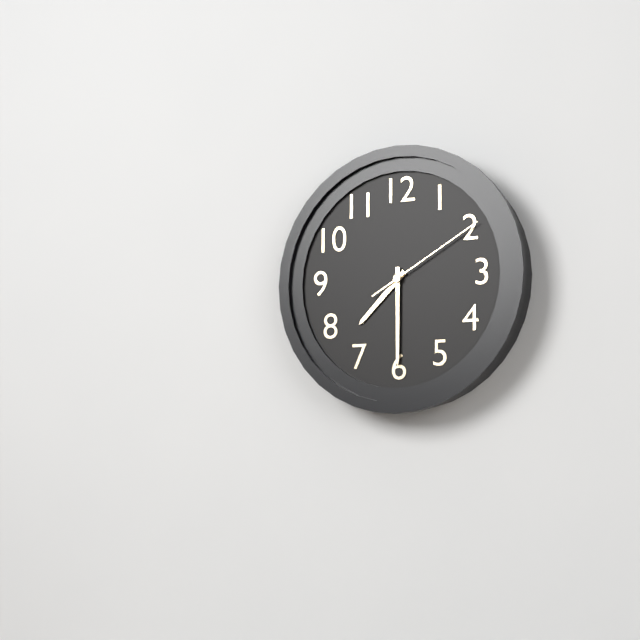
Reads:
h=7 m=30 s=10
